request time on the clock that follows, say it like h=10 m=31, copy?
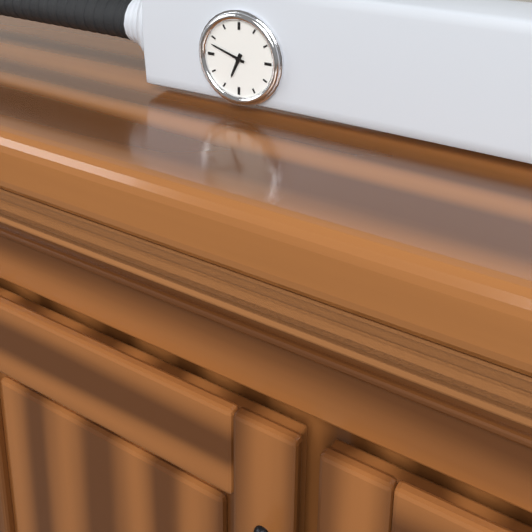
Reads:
h=6 m=48
